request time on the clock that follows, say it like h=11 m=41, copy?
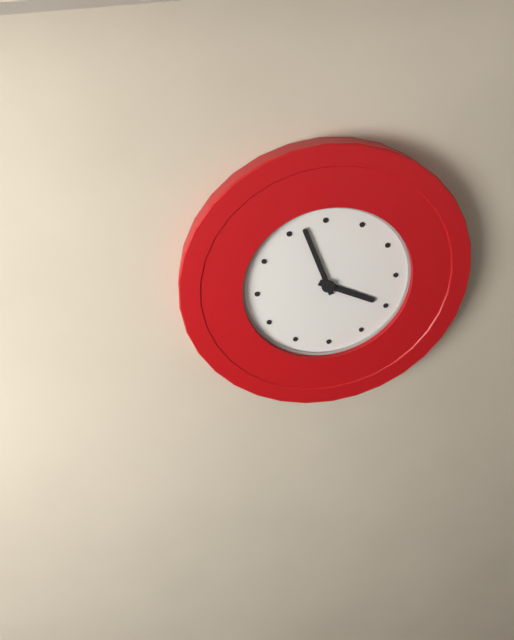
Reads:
h=3 m=57
